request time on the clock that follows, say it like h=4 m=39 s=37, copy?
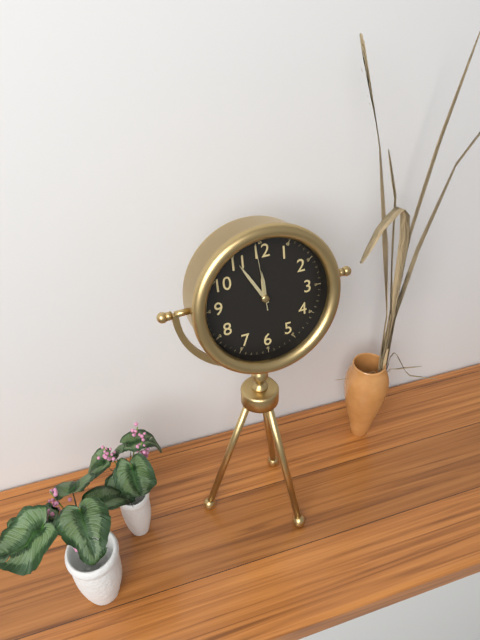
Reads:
h=11 m=55 s=59
